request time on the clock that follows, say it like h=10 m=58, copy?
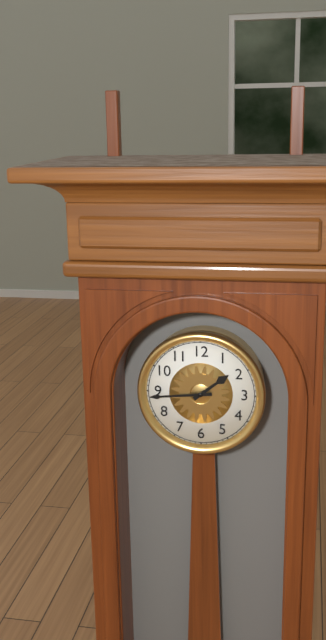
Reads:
h=1 m=44
